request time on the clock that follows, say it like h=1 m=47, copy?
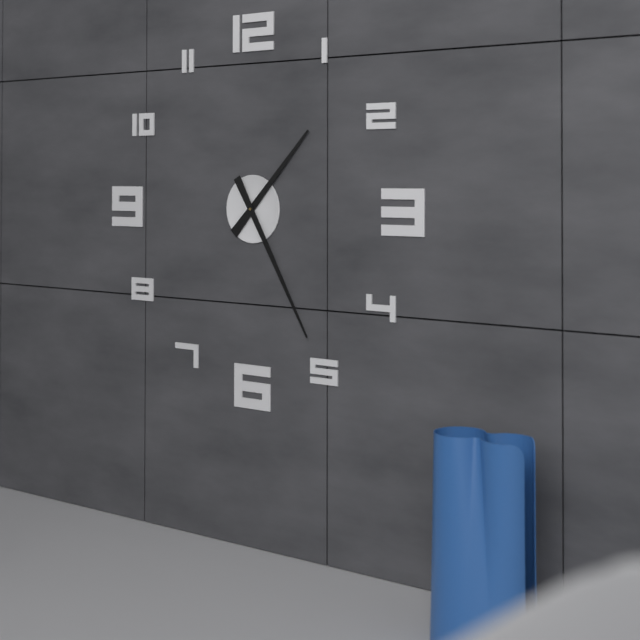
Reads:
h=1 m=25
